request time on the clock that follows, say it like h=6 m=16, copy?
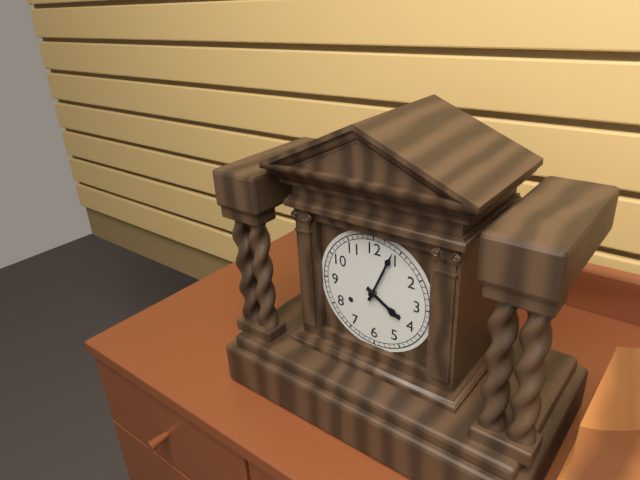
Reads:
h=4 m=4
